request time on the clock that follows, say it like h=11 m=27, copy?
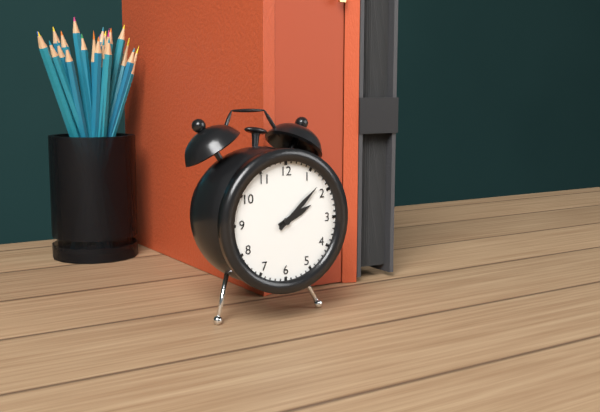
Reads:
h=2 m=8
